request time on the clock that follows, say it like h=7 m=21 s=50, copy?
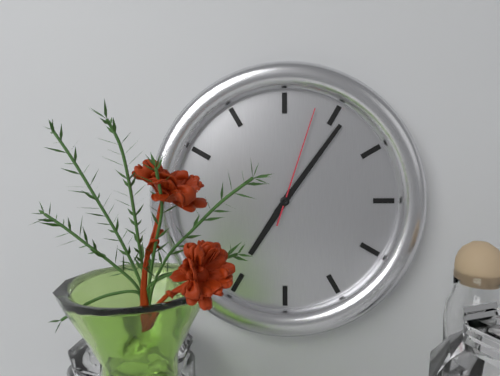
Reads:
h=7 m=6 s=3
